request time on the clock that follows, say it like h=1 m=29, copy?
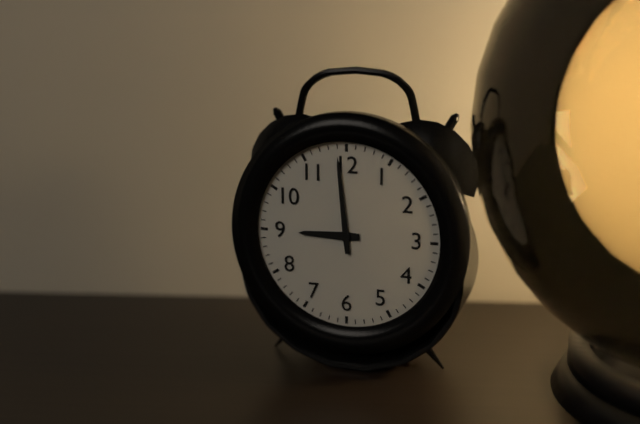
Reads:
h=8 m=59
